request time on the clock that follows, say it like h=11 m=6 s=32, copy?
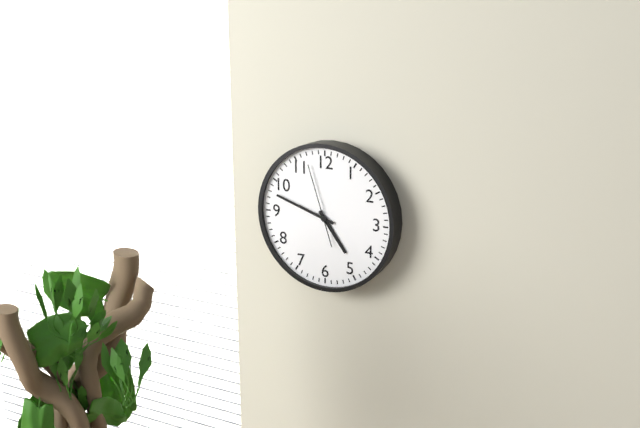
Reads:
h=4 m=48 s=57
